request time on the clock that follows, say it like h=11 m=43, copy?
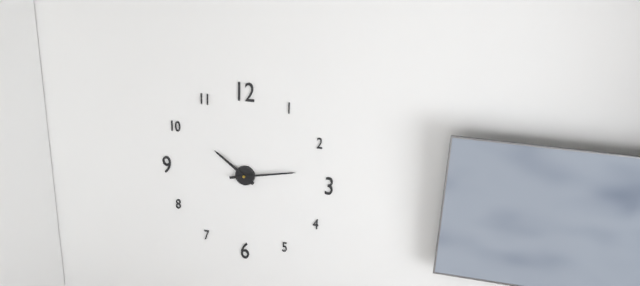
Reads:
h=10 m=13
